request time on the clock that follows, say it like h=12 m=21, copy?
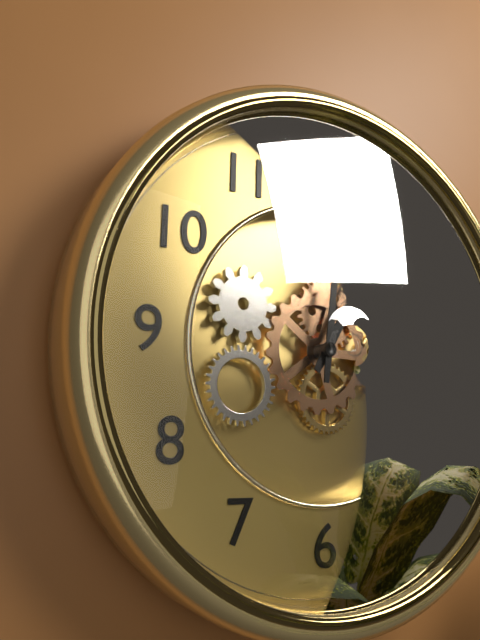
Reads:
h=1 m=1
